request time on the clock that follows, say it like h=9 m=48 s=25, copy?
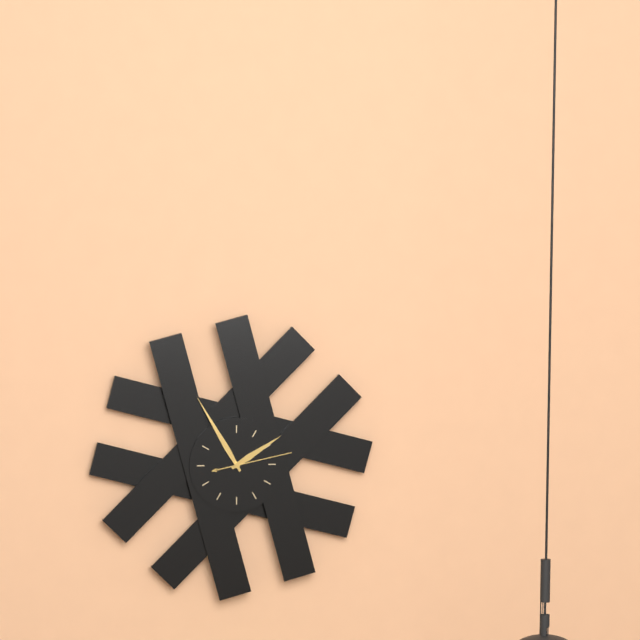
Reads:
h=1 m=55 s=13
